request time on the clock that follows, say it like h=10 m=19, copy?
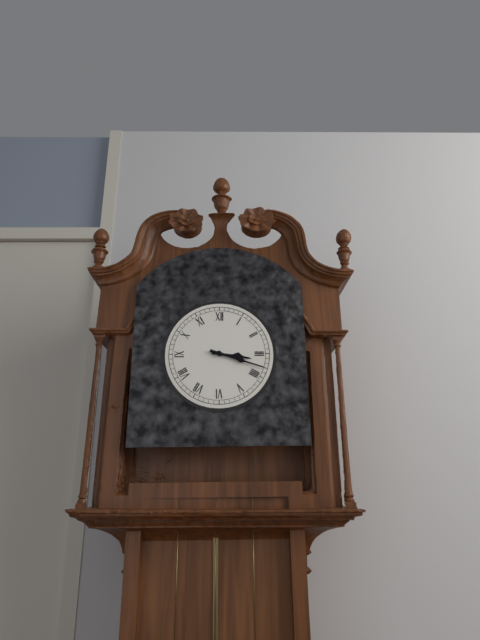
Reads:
h=3 m=18
